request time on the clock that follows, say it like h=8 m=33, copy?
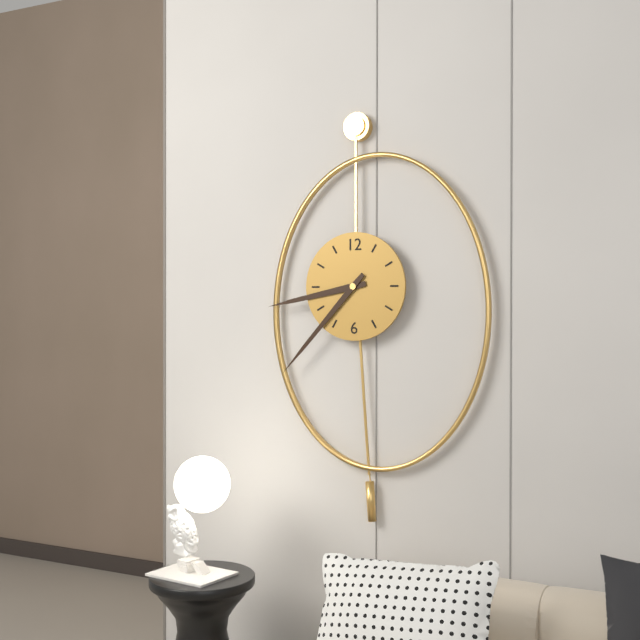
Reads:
h=8 m=37
